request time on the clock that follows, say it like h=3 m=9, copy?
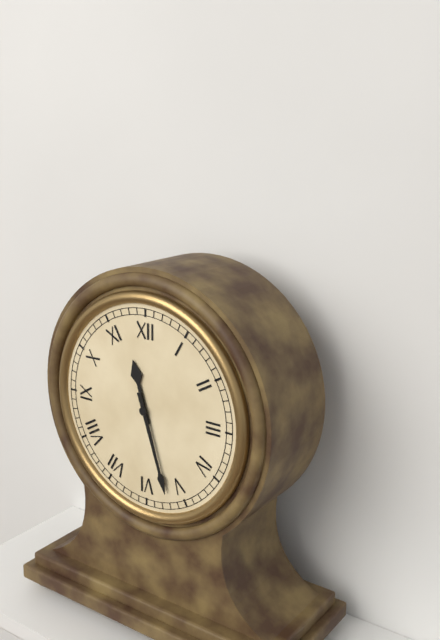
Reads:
h=11 m=27
